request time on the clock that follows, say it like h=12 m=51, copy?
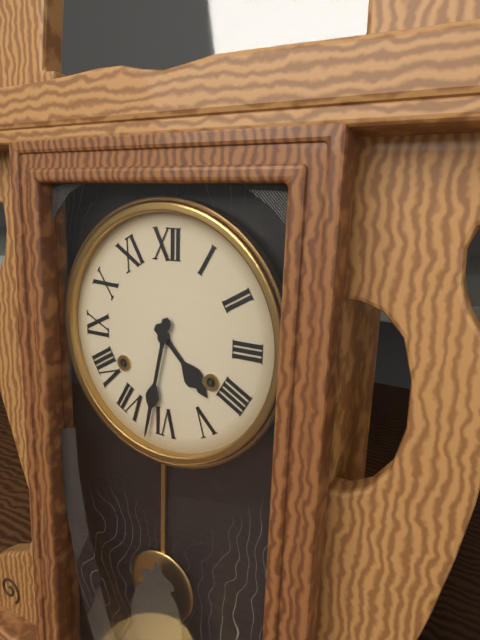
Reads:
h=4 m=32
